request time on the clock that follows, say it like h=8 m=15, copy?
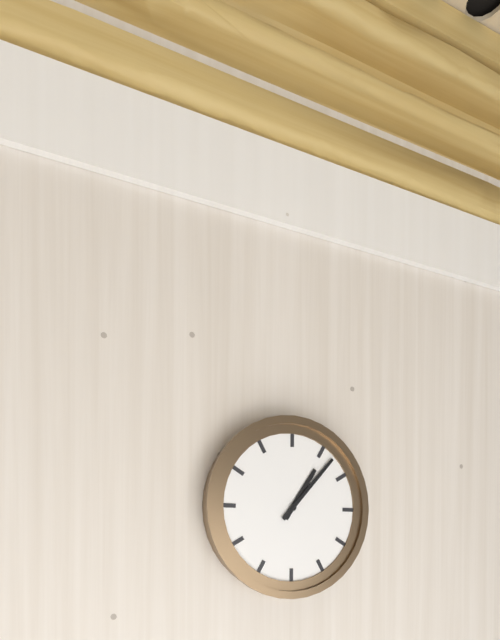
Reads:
h=1 m=7
